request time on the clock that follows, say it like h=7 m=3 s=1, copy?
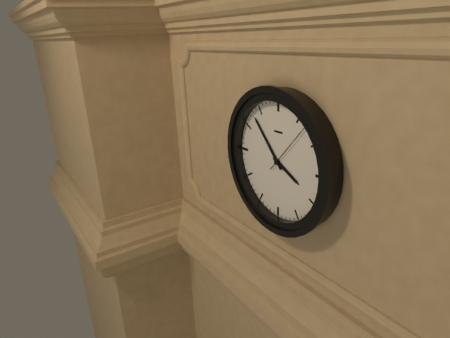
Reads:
h=3 m=53 s=7
